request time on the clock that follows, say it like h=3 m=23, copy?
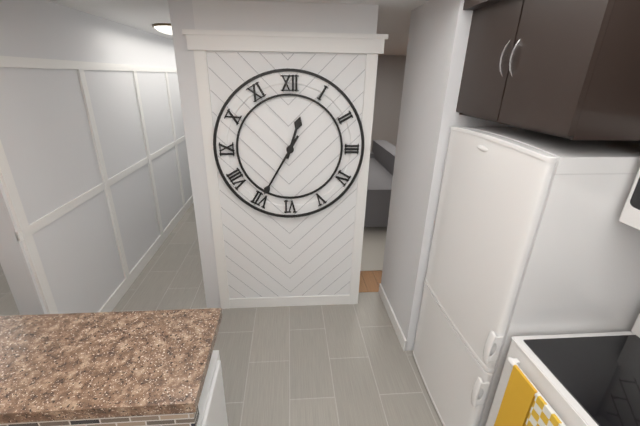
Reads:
h=12 m=35
